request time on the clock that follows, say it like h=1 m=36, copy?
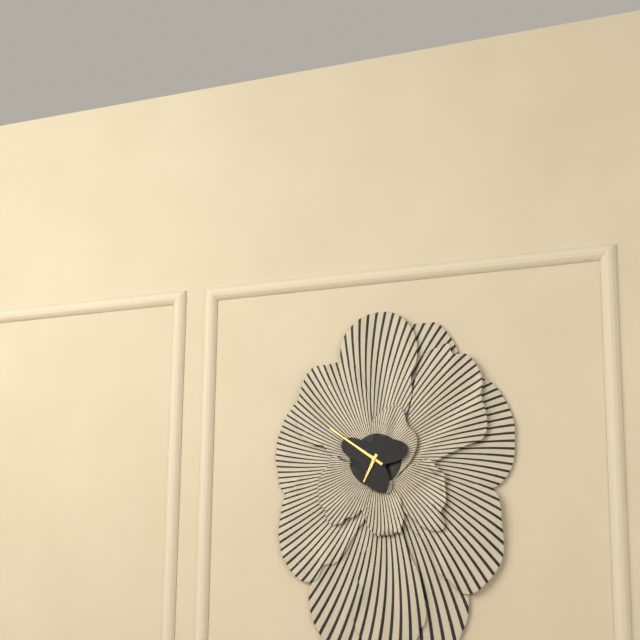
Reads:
h=6 m=51
